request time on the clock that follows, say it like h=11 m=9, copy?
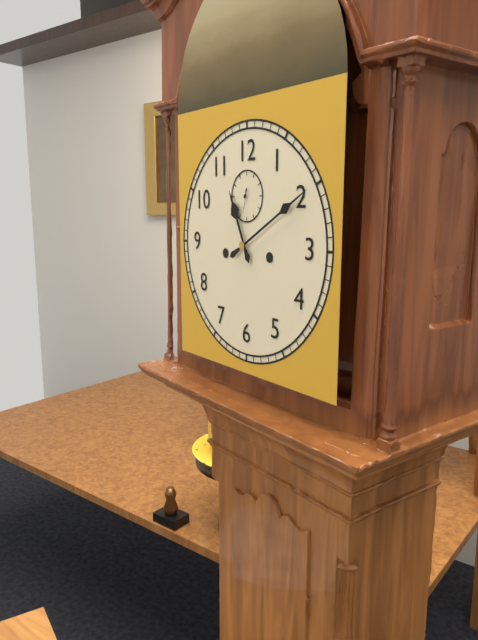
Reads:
h=11 m=10
